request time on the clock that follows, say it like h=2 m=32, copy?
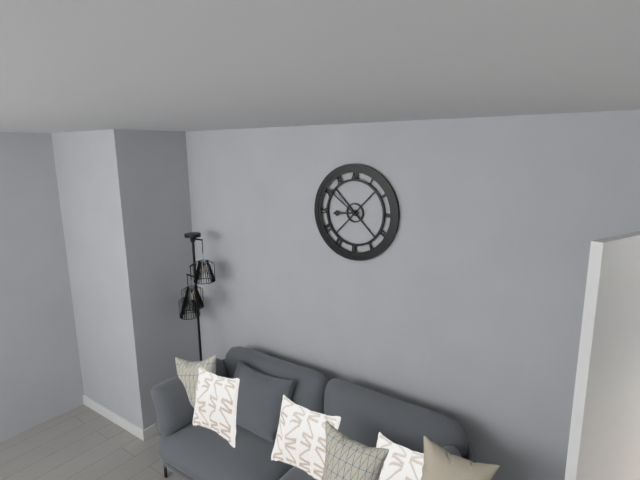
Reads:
h=8 m=51
